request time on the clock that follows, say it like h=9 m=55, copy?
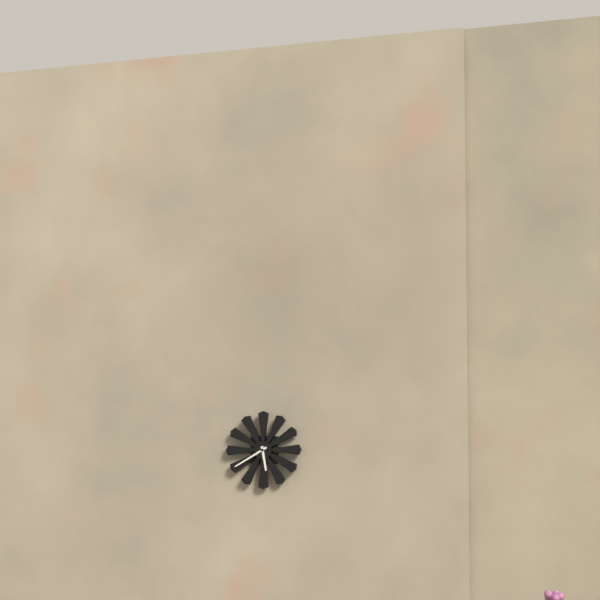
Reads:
h=5 m=40
